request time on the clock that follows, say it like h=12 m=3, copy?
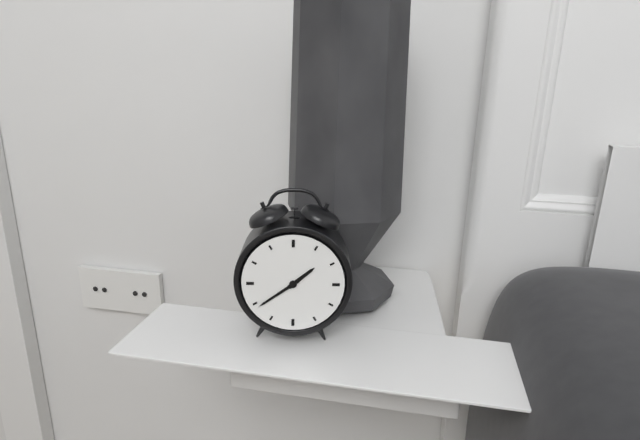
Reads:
h=1 m=39
